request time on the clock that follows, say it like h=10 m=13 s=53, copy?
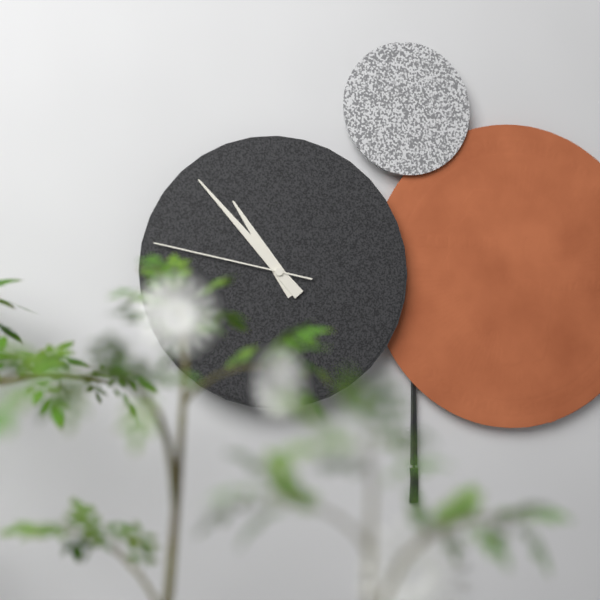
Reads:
h=10 m=53 s=47
